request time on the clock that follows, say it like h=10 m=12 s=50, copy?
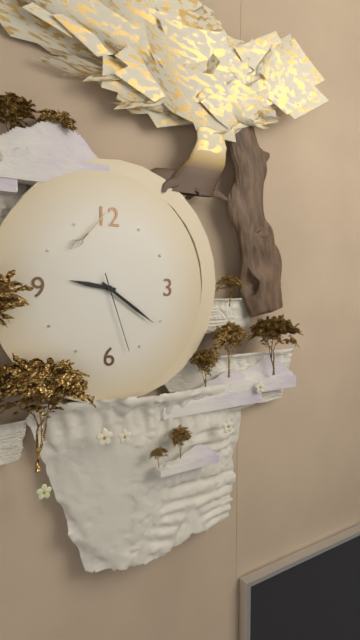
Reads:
h=9 m=21 s=27
